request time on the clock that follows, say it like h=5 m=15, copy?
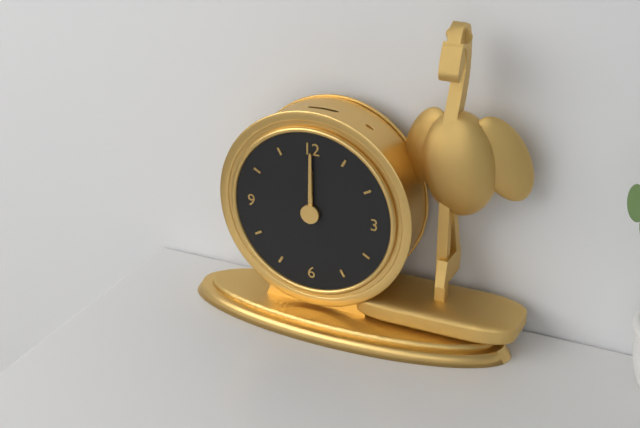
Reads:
h=12 m=0
